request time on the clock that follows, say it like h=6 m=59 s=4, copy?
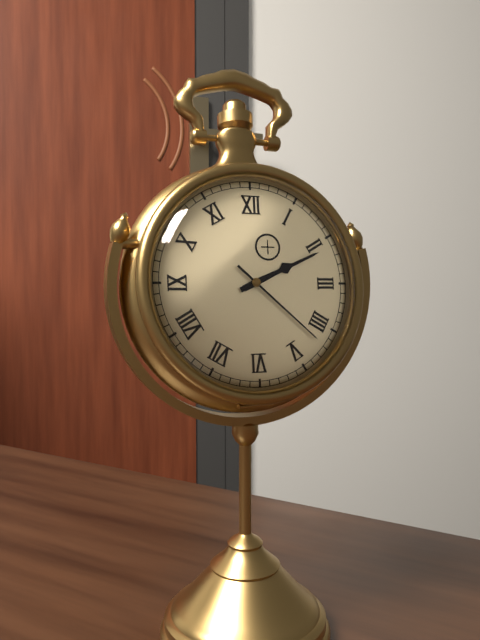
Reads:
h=2 m=11 s=22
